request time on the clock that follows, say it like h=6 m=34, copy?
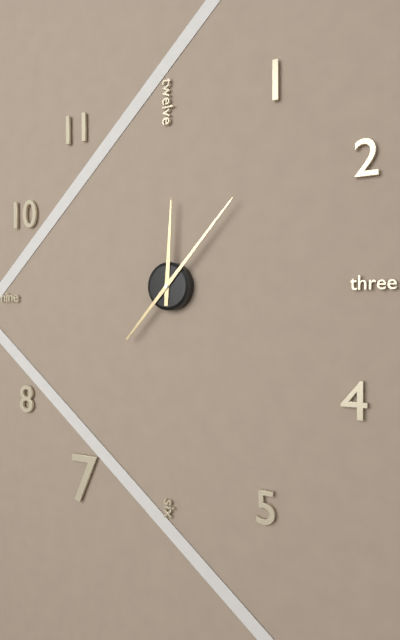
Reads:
h=12 m=7
